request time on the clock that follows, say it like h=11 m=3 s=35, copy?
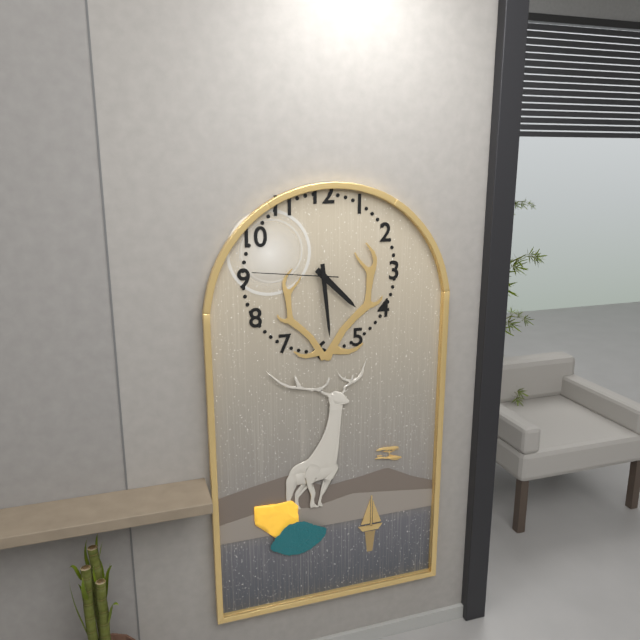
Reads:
h=4 m=29 s=46
